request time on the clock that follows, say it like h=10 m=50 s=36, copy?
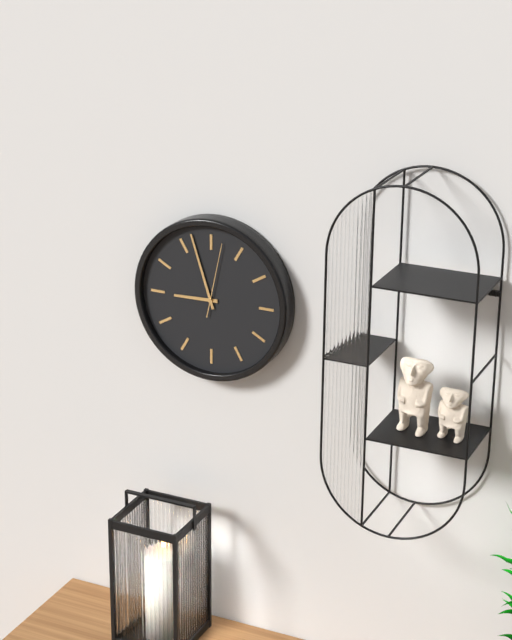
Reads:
h=8 m=57 s=2
